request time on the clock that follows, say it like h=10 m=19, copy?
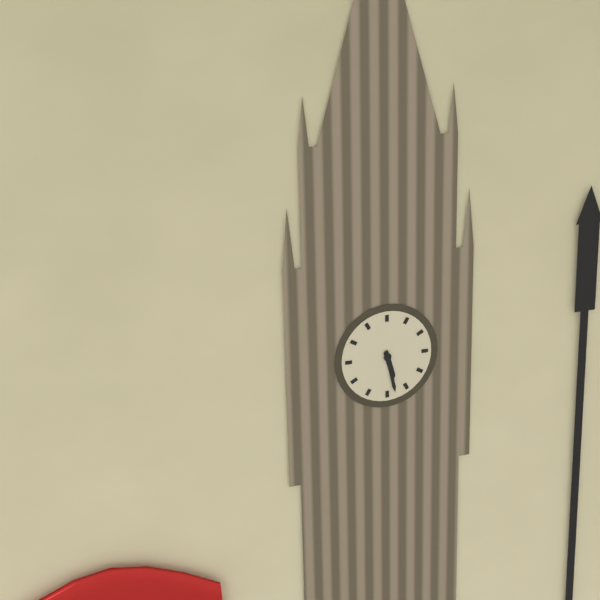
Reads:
h=5 m=28
